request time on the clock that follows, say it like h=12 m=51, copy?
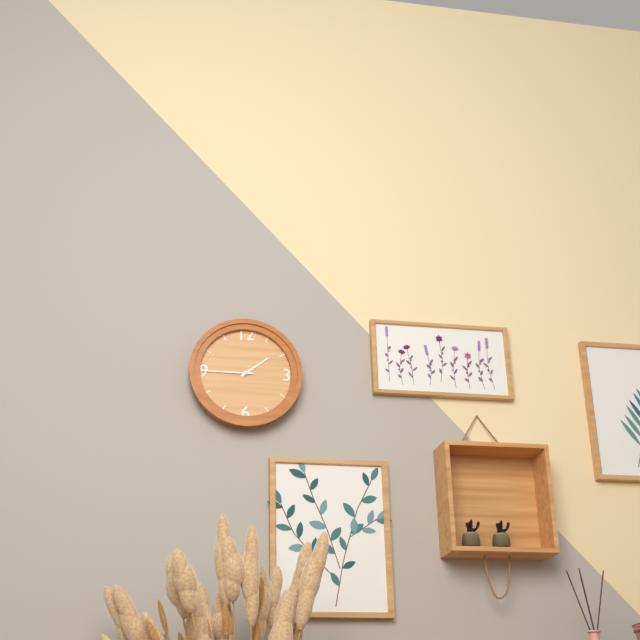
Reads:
h=1 m=45
